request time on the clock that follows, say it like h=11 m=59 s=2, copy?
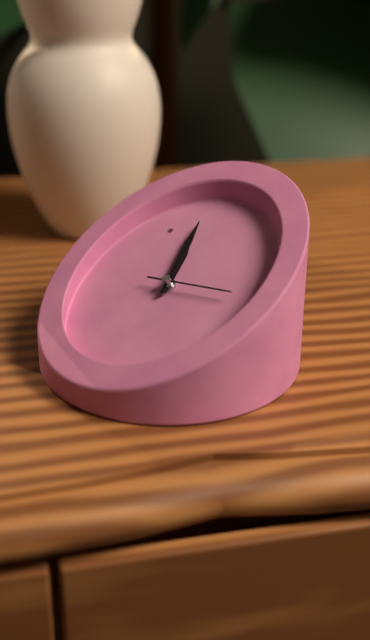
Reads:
h=2 m=11 s=27
